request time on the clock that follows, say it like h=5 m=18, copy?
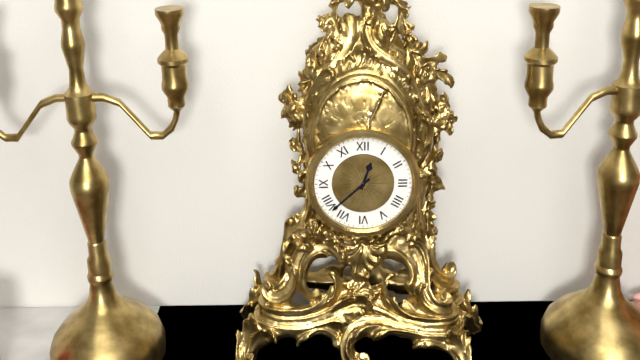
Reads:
h=12 m=38
